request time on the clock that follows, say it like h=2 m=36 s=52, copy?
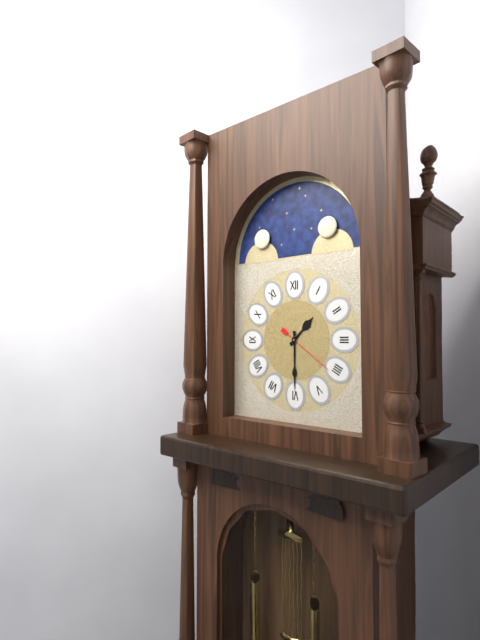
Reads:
h=1 m=30 s=21
